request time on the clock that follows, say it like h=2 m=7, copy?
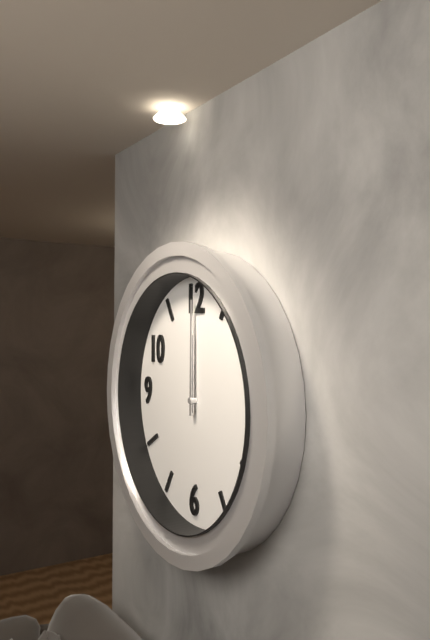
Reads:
h=12 m=0
